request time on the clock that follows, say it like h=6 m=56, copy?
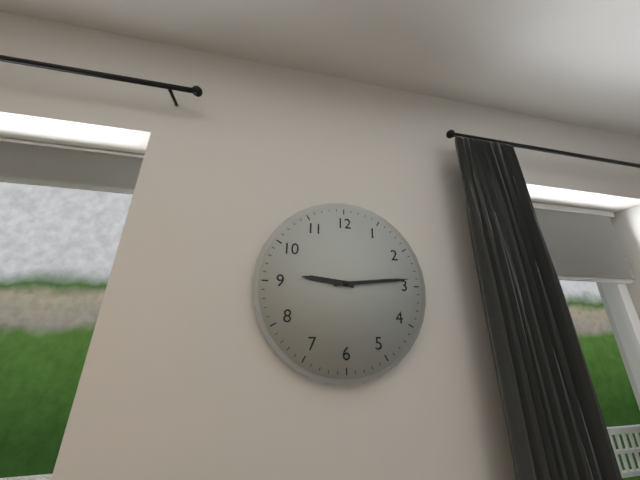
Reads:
h=9 m=14
